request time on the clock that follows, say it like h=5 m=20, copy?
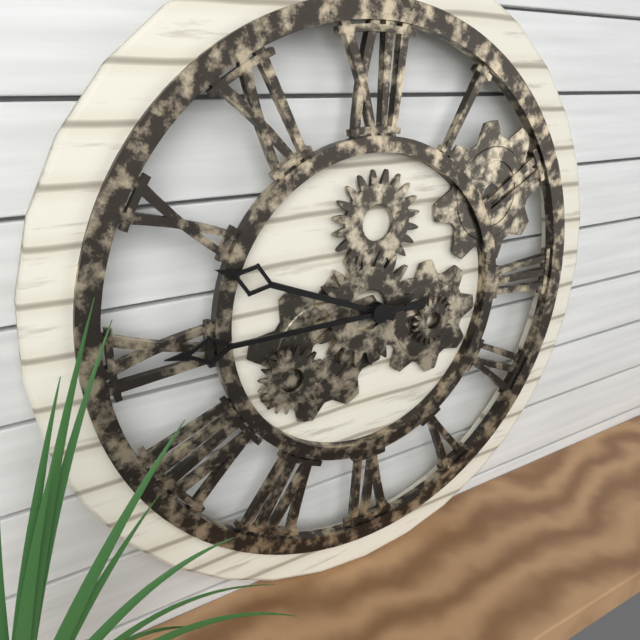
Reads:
h=9 m=45
